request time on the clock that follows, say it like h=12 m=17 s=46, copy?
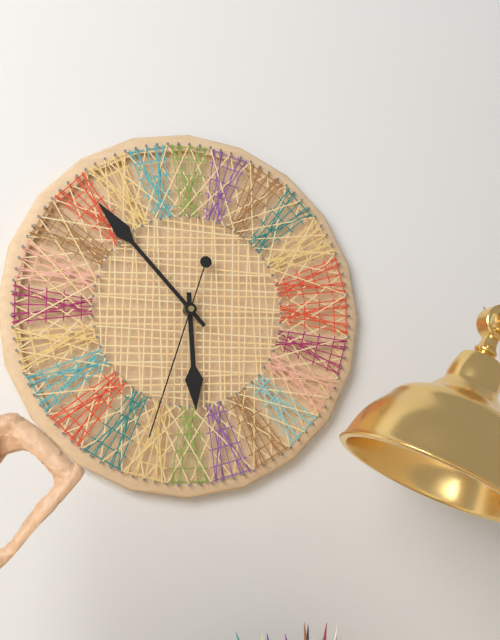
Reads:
h=5 m=53 s=33
